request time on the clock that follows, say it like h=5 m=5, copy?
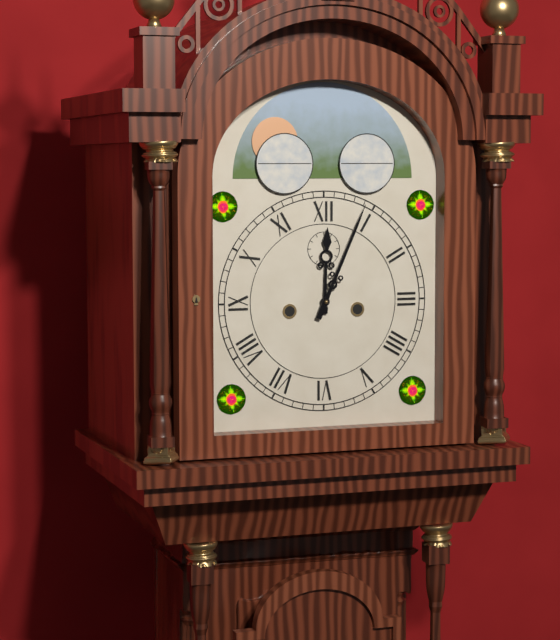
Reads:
h=12 m=4
